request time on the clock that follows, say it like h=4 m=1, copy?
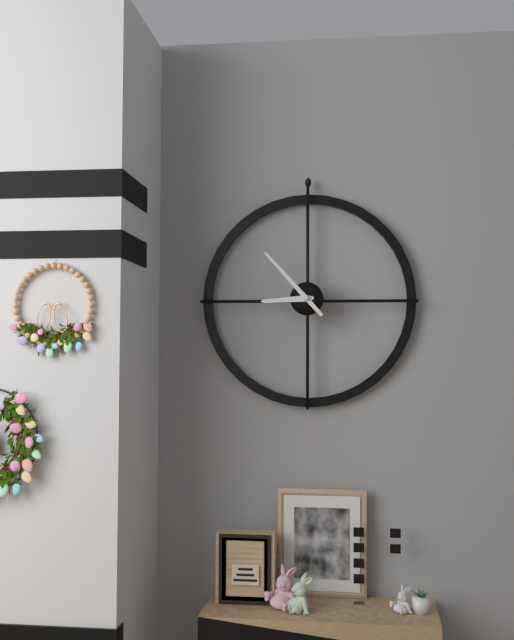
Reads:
h=8 m=53
